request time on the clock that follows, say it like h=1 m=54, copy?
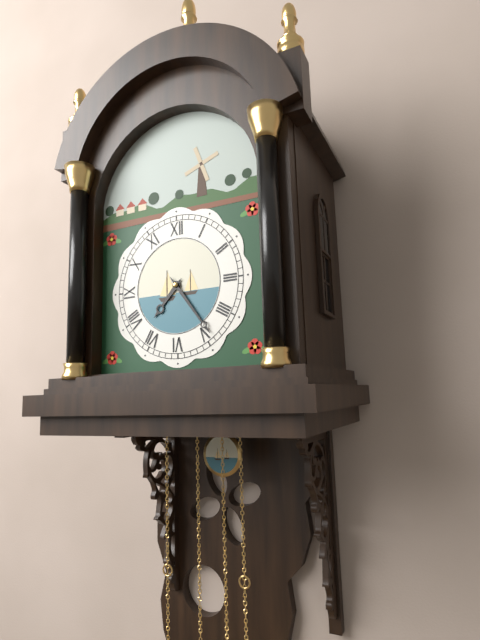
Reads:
h=7 m=24
